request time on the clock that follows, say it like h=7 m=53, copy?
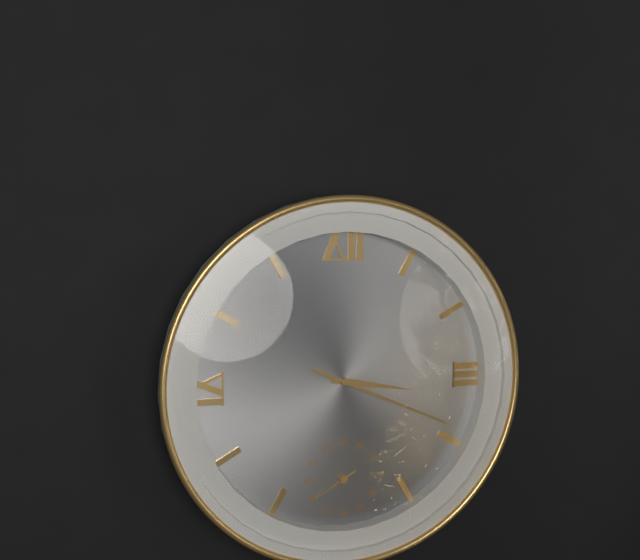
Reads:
h=3 m=19
